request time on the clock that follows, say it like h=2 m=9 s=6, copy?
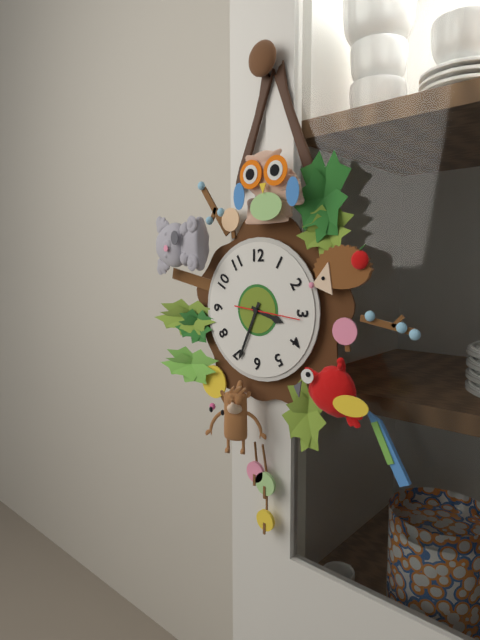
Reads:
h=3 m=34 s=16
